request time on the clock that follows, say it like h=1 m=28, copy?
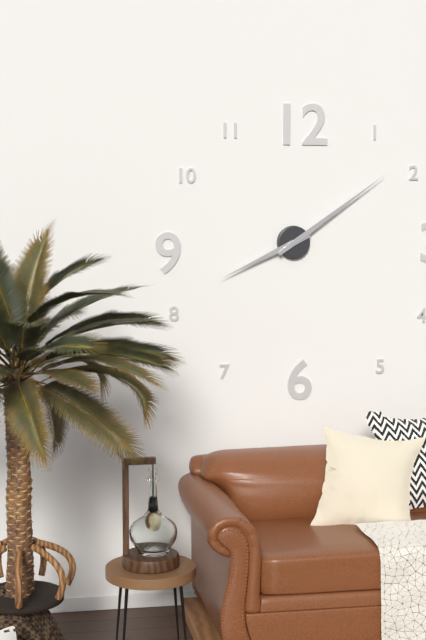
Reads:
h=8 m=9
